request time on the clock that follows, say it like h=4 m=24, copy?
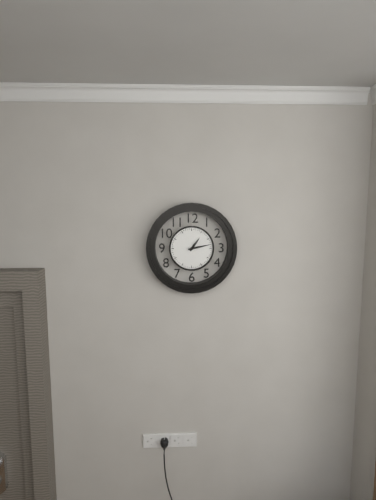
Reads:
h=1 m=13
